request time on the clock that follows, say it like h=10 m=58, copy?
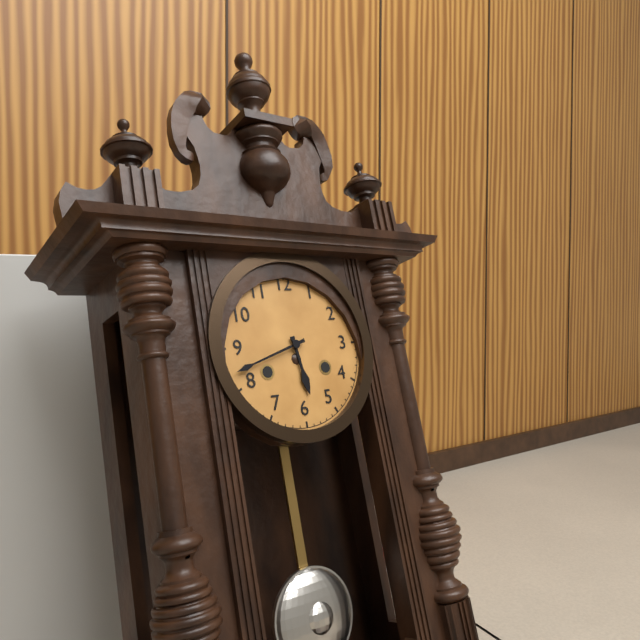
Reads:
h=5 m=42
